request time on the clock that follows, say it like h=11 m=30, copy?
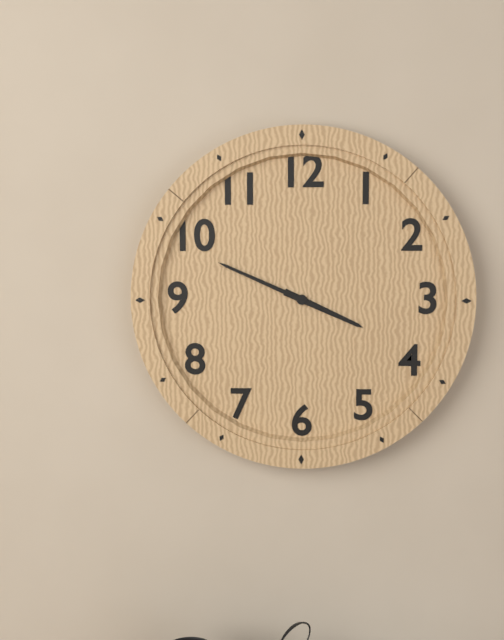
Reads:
h=3 m=49
